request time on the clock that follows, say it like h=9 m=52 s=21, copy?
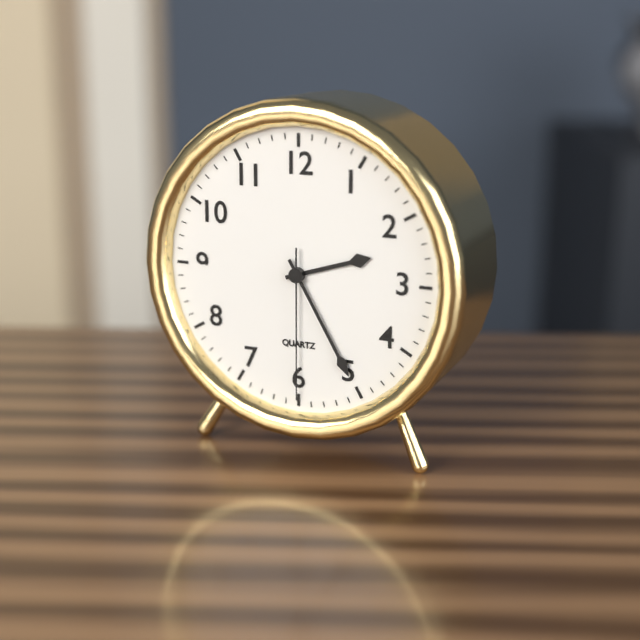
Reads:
h=2 m=25 s=30
